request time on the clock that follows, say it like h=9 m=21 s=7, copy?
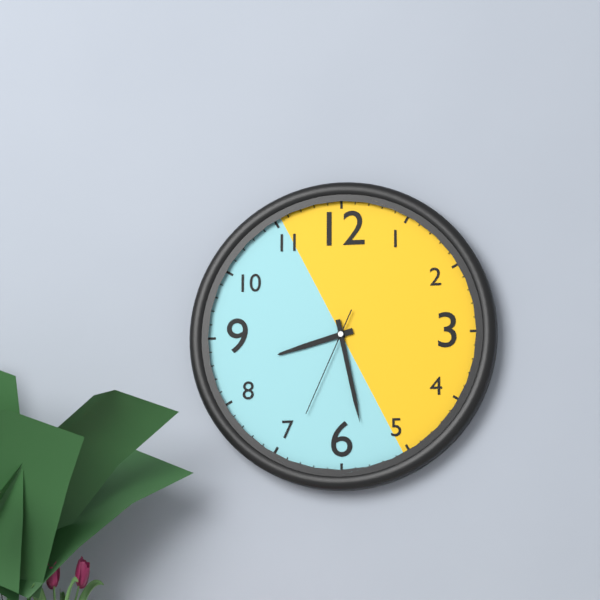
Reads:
h=8 m=28 s=34
